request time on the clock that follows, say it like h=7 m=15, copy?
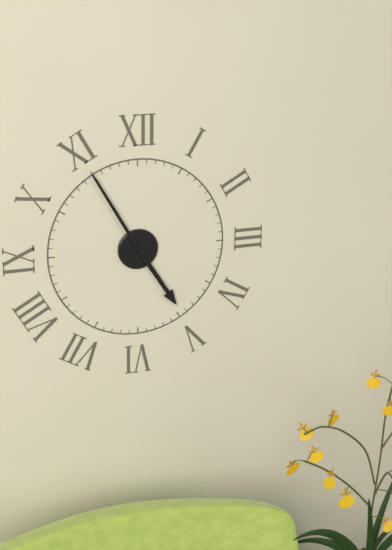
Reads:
h=4 m=55
